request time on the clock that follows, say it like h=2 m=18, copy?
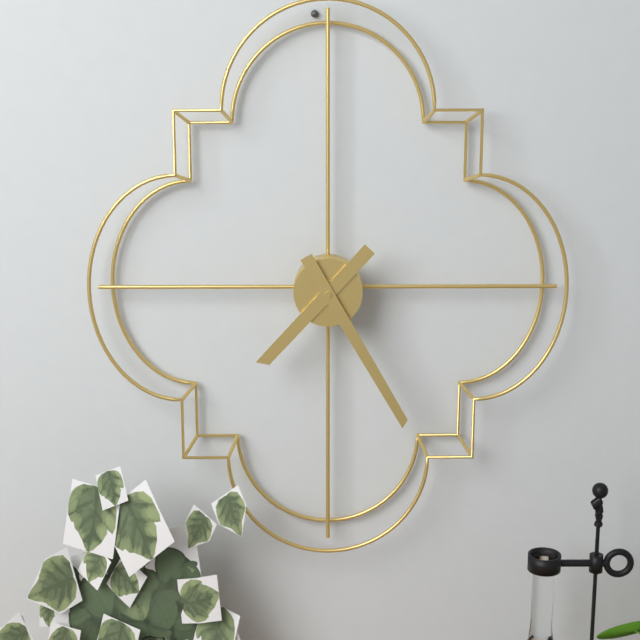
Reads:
h=7 m=25
